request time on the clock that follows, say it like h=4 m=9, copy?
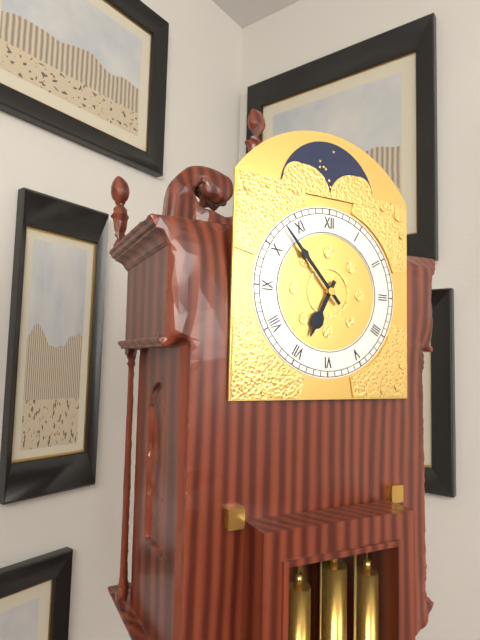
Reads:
h=6 m=53
